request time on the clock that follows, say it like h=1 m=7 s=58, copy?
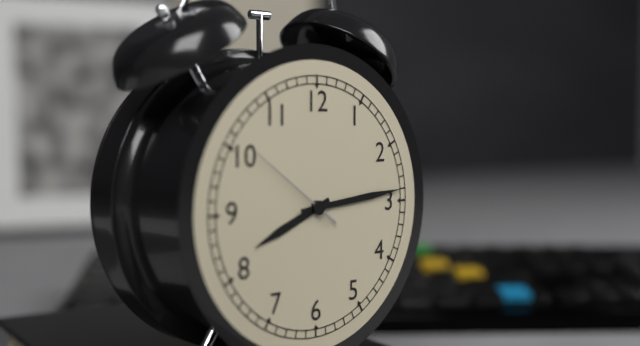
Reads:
h=8 m=14 s=51
